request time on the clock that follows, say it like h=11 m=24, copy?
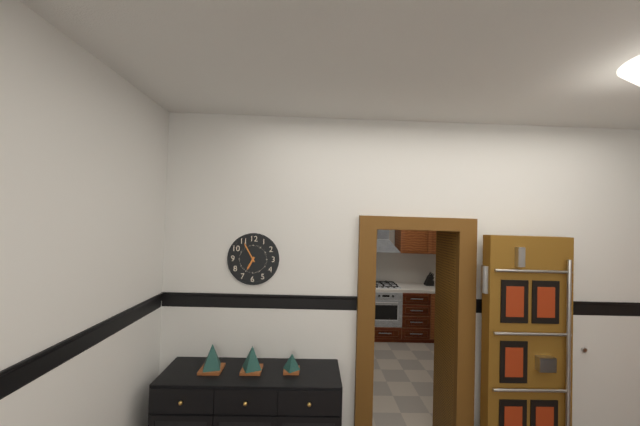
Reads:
h=6 m=55
